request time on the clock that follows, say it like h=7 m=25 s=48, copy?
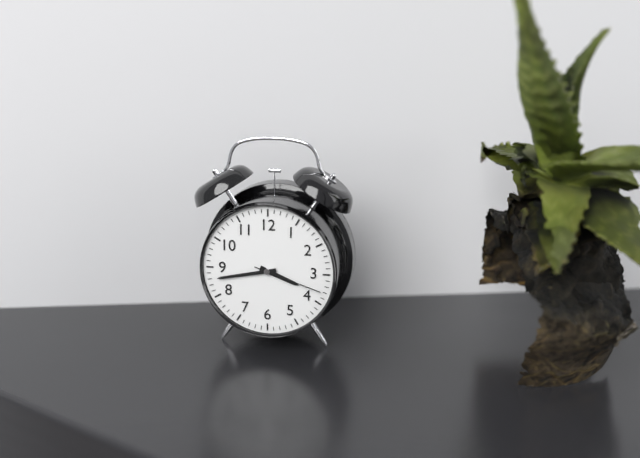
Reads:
h=3 m=43 s=18
